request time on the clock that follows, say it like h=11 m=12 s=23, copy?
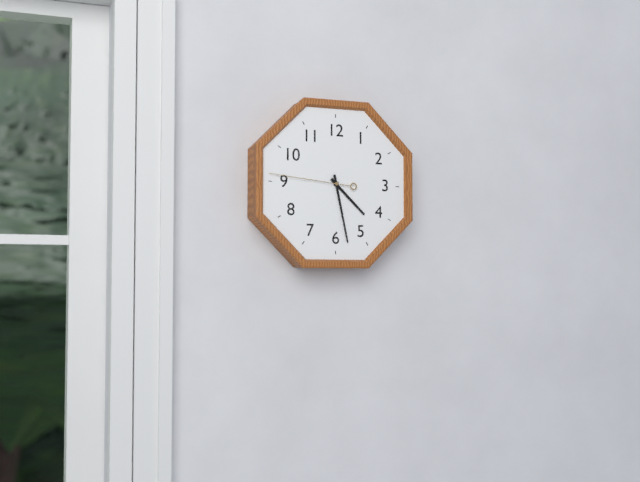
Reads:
h=4 m=28 s=46
